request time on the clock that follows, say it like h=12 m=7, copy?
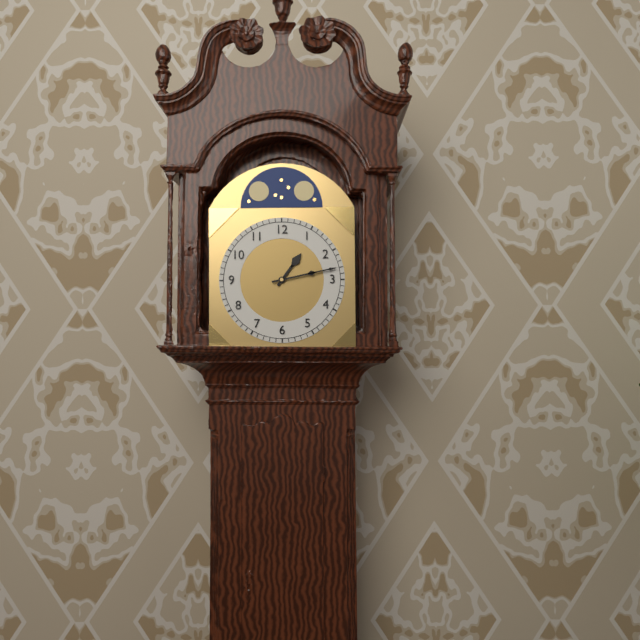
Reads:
h=1 m=13
